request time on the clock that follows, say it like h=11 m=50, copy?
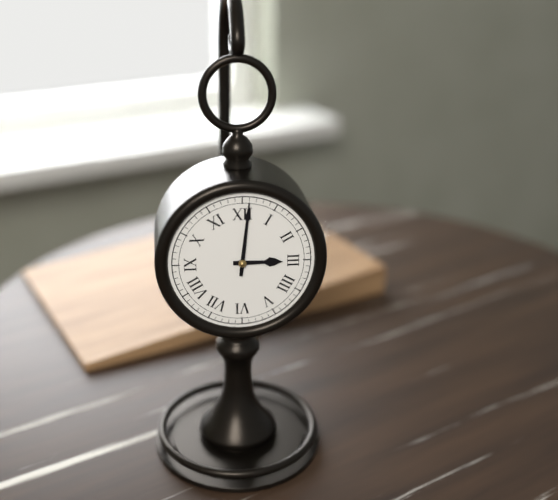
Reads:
h=3 m=1
